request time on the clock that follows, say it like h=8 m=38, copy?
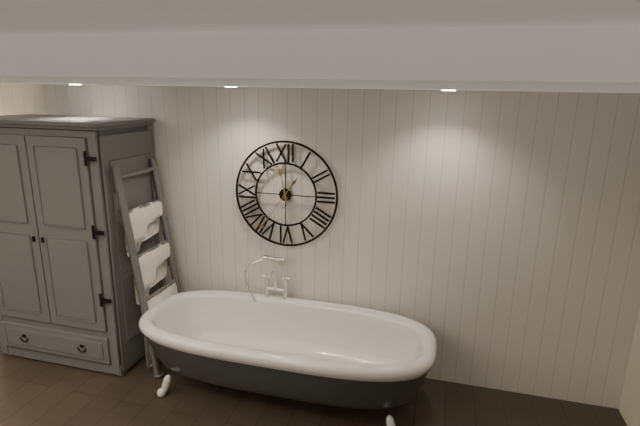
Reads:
h=11 m=36
